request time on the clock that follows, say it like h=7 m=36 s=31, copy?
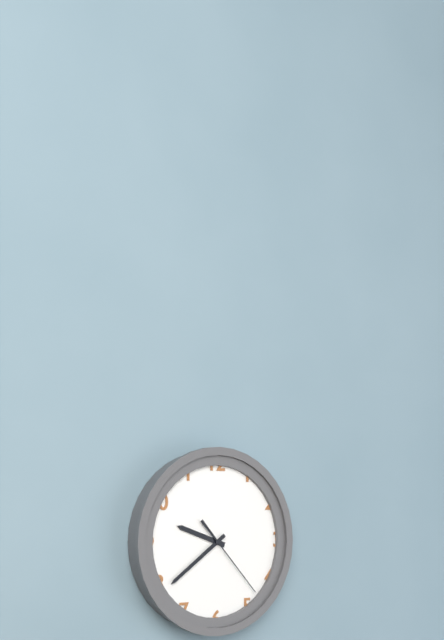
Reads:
h=9 m=39 s=23
